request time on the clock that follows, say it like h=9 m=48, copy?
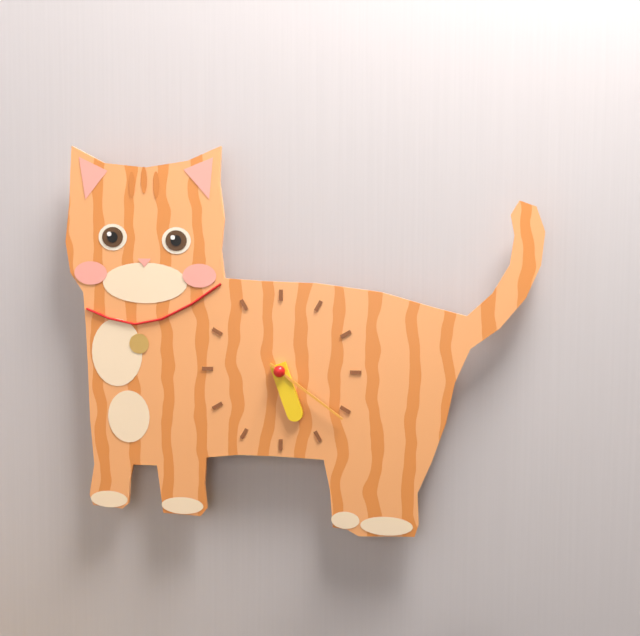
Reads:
h=5 m=21
